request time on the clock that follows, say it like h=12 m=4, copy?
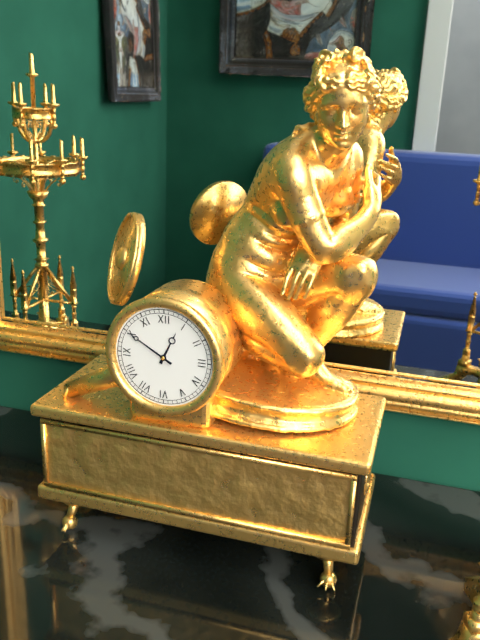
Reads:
h=12 m=50
